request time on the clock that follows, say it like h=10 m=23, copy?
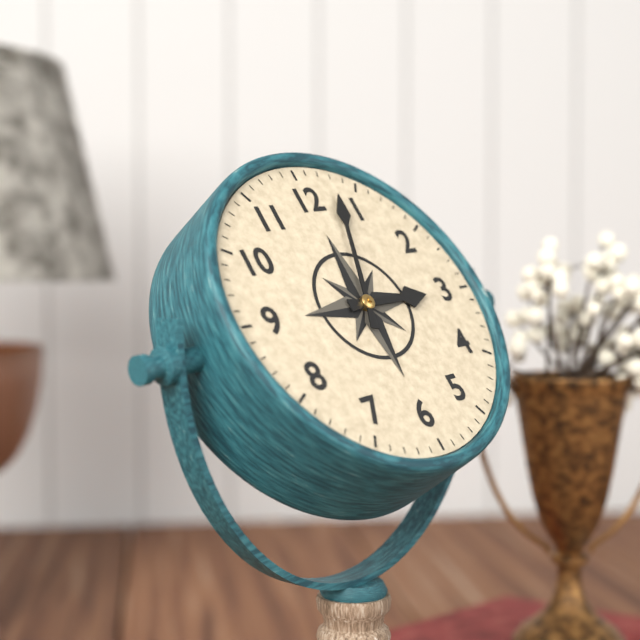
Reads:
h=3 m=3
